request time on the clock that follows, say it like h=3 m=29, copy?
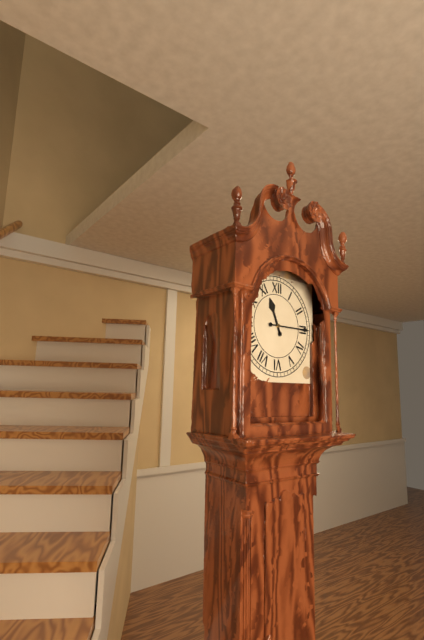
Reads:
h=11 m=15
